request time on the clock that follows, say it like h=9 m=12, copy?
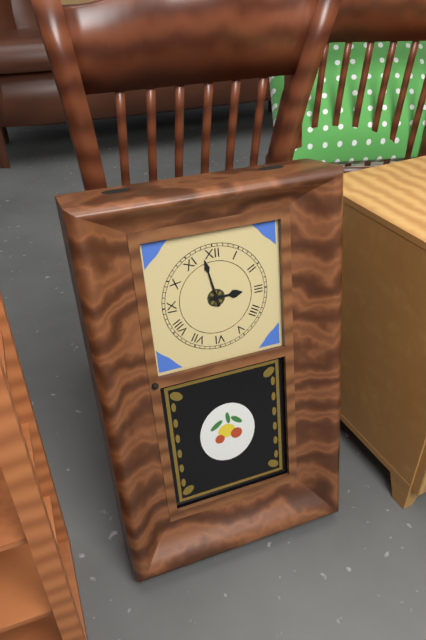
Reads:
h=2 m=58
